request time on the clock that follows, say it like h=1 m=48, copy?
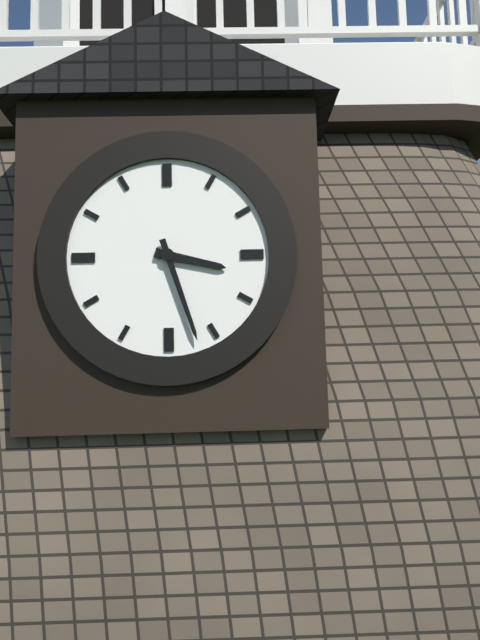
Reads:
h=3 m=27
